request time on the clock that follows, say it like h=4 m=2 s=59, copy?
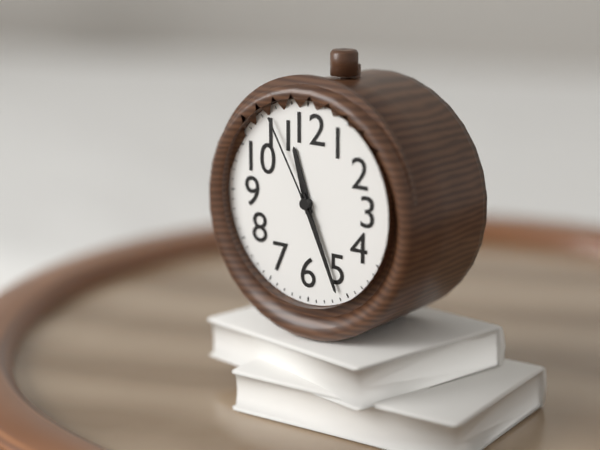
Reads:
h=11 m=26 s=55
